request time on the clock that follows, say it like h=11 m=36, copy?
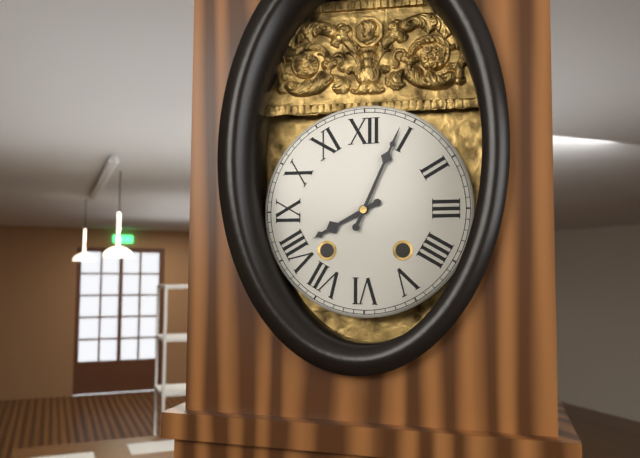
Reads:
h=8 m=4
